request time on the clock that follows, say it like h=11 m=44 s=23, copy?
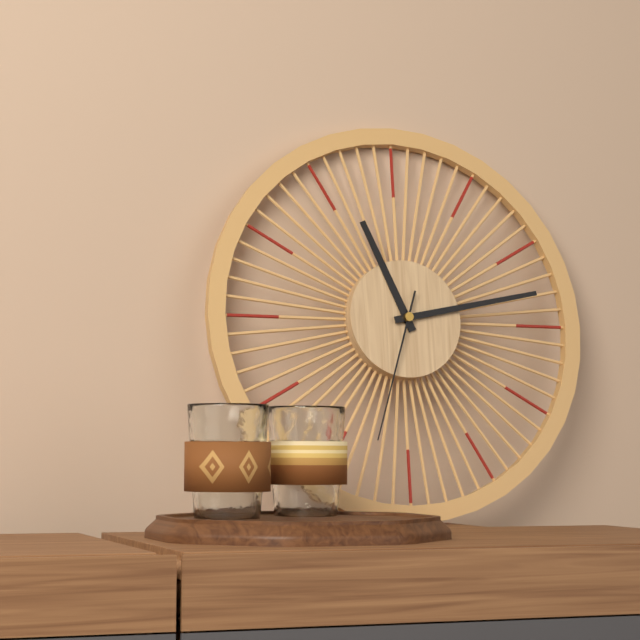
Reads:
h=11 m=13 s=33
